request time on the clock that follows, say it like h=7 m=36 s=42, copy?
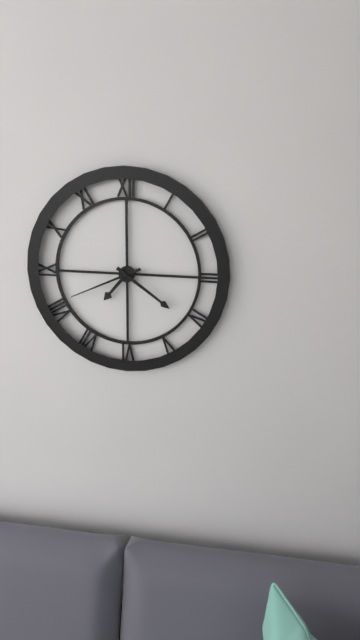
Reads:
h=7 m=21 s=41
